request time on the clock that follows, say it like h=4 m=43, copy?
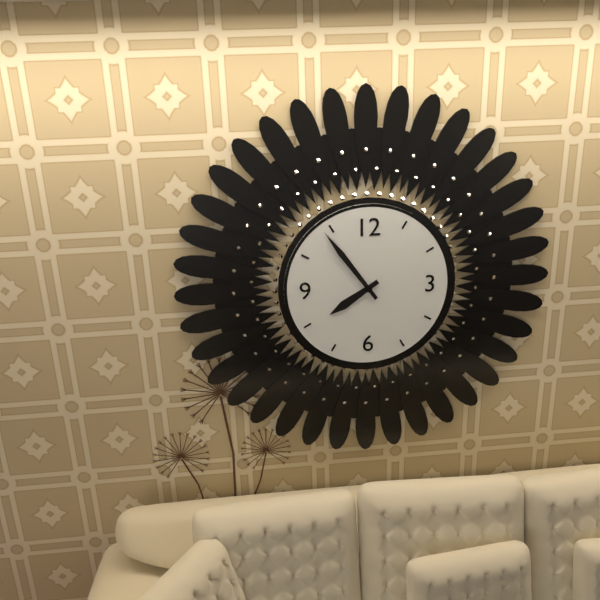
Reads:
h=7 m=54
